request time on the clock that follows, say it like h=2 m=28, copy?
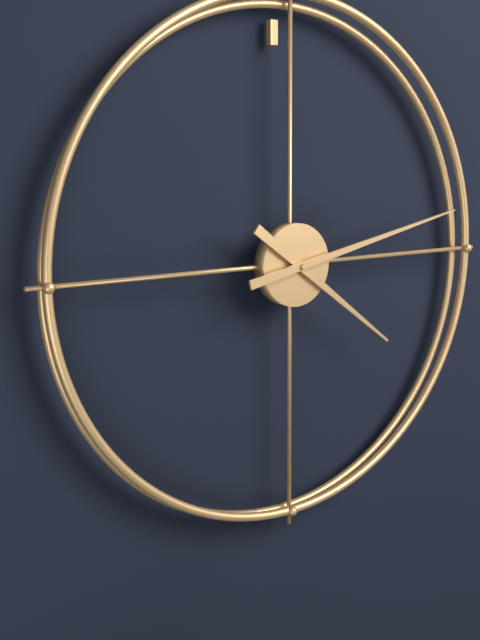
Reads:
h=4 m=13
